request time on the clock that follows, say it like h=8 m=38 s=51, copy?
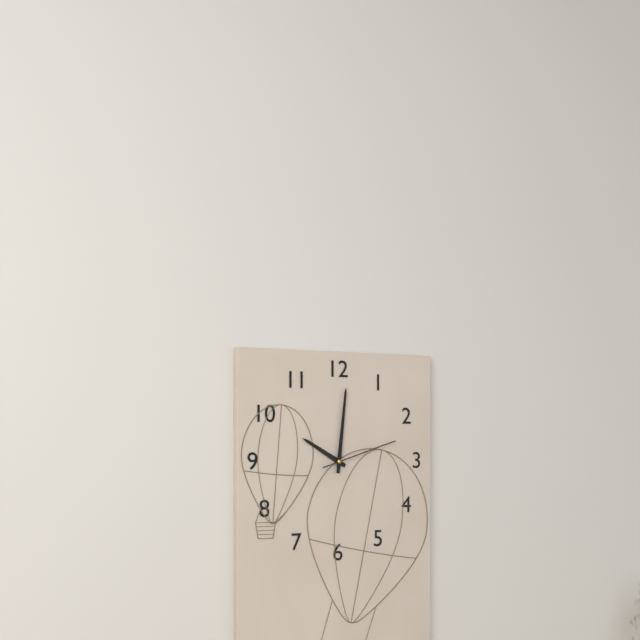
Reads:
h=10 m=1 s=12
